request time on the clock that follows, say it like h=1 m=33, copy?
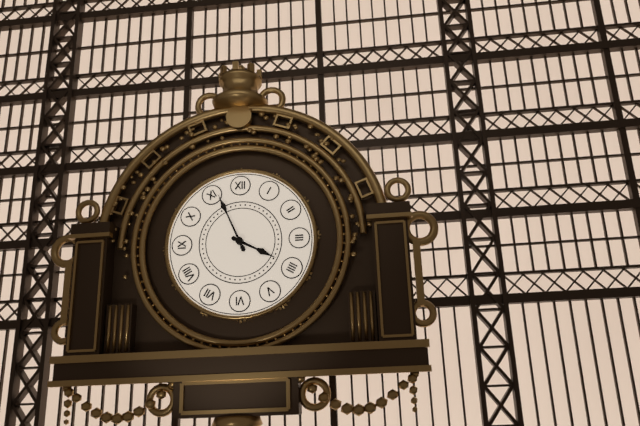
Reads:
h=3 m=56
